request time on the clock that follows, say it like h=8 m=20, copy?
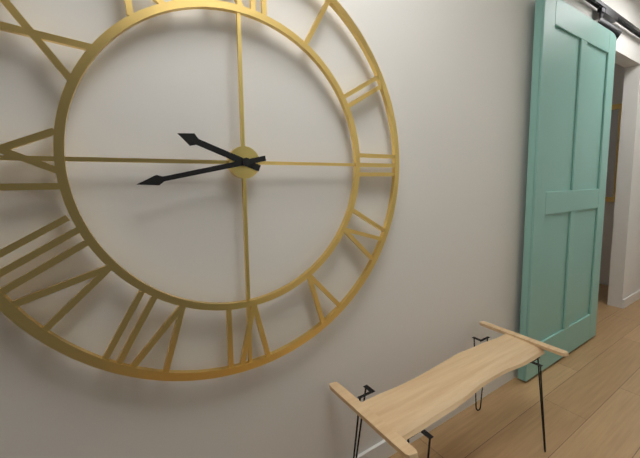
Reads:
h=9 m=43
